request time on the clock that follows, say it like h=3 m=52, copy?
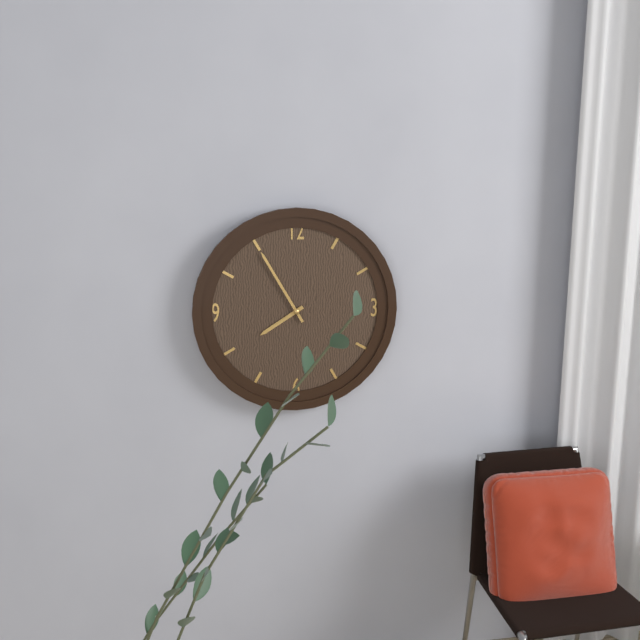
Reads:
h=7 m=55
